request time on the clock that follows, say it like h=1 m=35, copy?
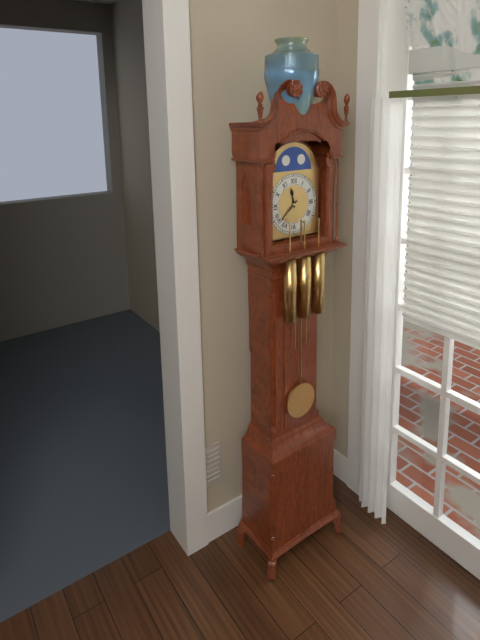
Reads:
h=11 m=38
